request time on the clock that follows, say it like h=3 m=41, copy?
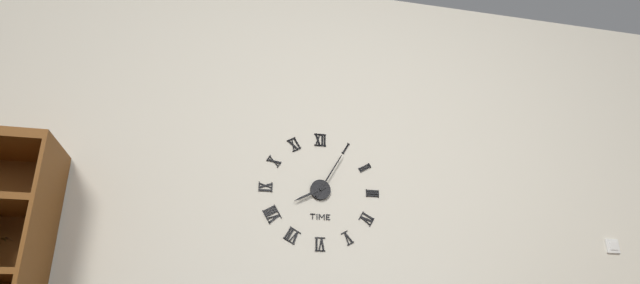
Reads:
h=8 m=5
